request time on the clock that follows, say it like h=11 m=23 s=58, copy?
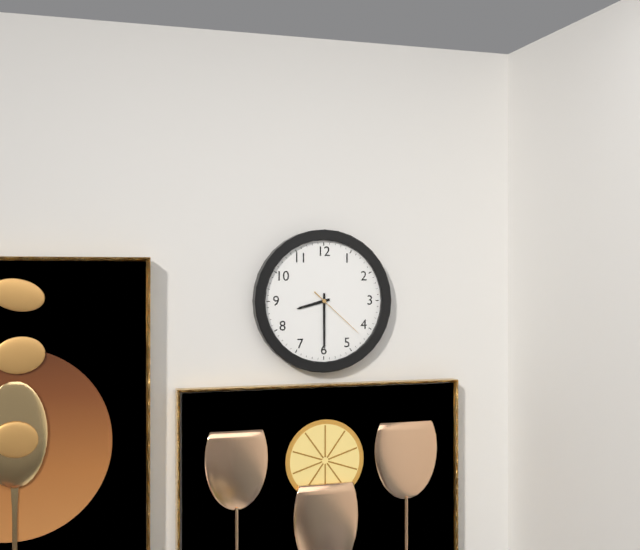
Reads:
h=8 m=30 s=22
